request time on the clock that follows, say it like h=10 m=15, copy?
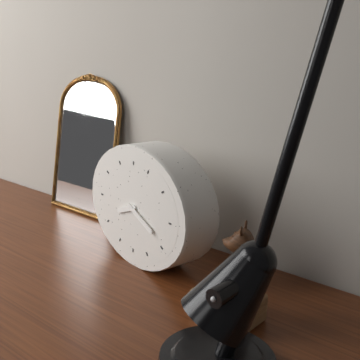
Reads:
h=8 m=19
